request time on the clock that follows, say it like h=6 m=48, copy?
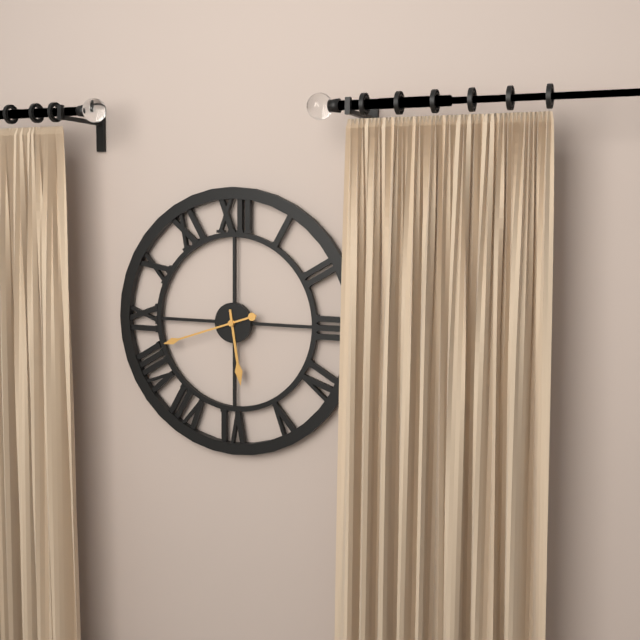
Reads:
h=5 m=42
